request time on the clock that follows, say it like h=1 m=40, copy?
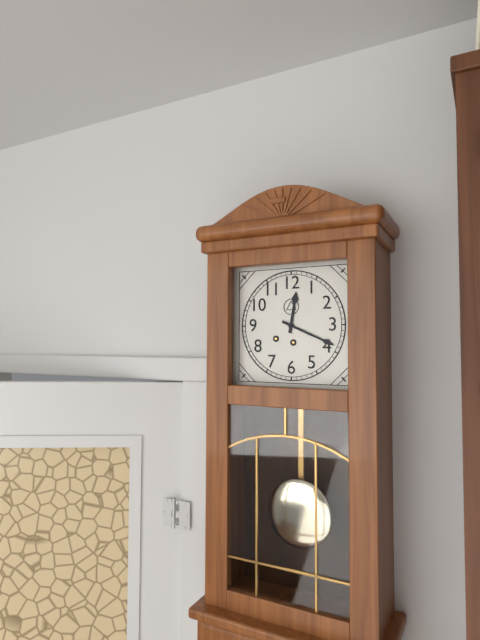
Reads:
h=12 m=19
